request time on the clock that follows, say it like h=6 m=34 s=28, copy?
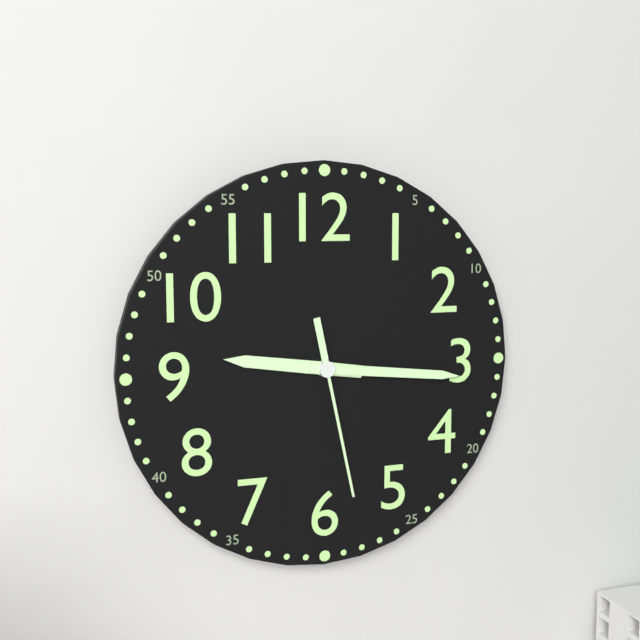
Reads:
h=9 m=16 s=28
